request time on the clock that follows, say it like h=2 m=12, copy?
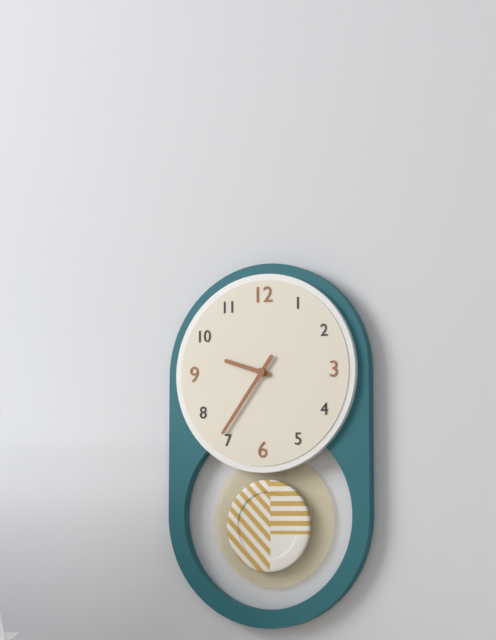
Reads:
h=9 m=36
